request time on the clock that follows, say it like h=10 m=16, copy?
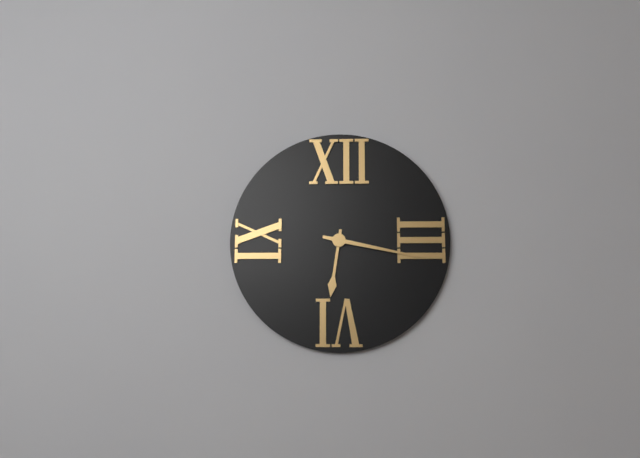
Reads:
h=6 m=17
